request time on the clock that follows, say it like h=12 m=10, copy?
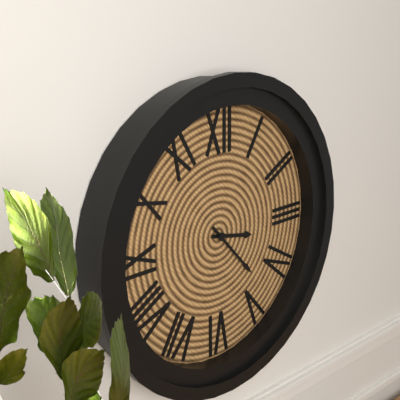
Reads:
h=3 m=23
